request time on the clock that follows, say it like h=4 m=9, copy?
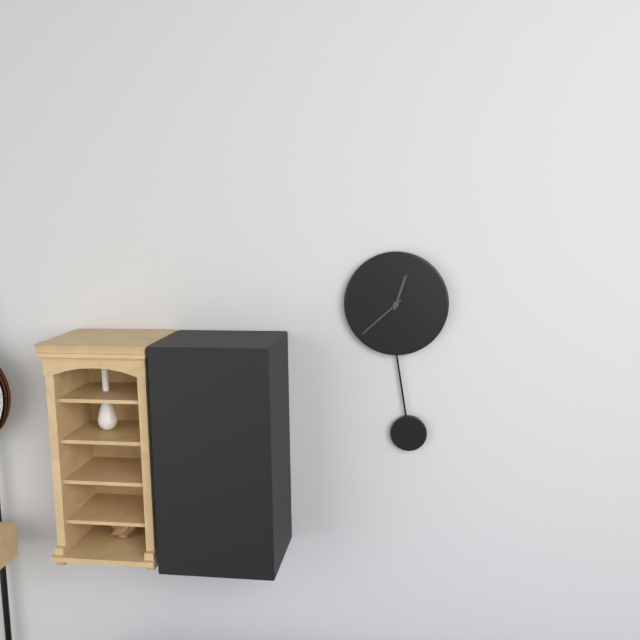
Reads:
h=12 m=38
